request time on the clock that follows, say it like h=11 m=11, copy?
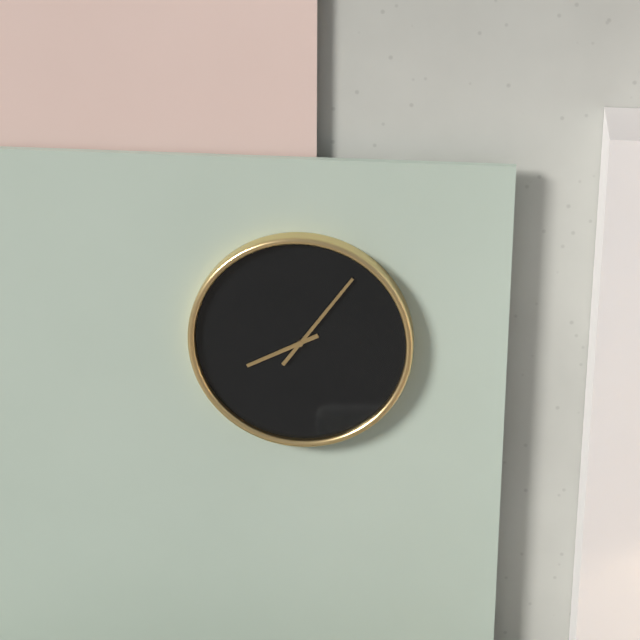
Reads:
h=8 m=6
